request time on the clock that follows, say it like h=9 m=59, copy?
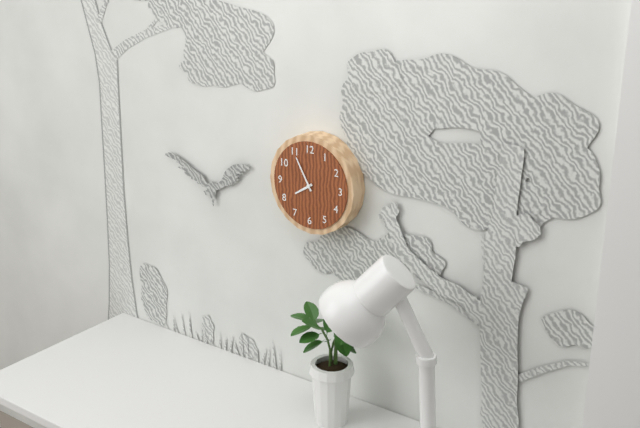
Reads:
h=7 m=55
